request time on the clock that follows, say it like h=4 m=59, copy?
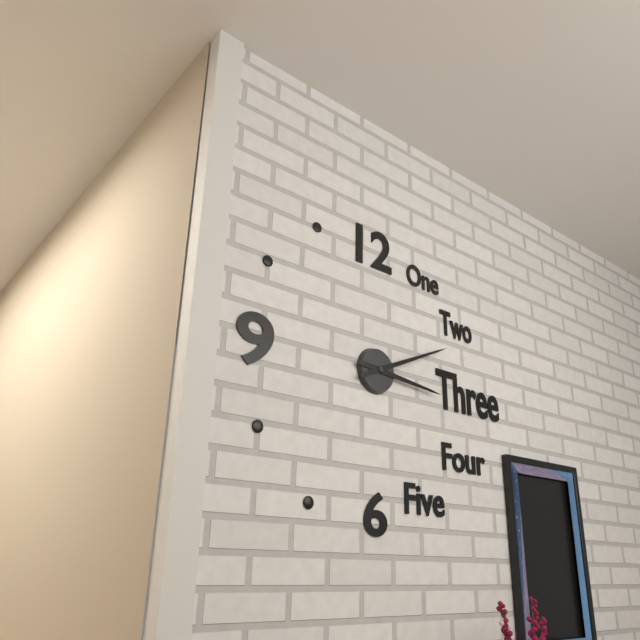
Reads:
h=3 m=11
